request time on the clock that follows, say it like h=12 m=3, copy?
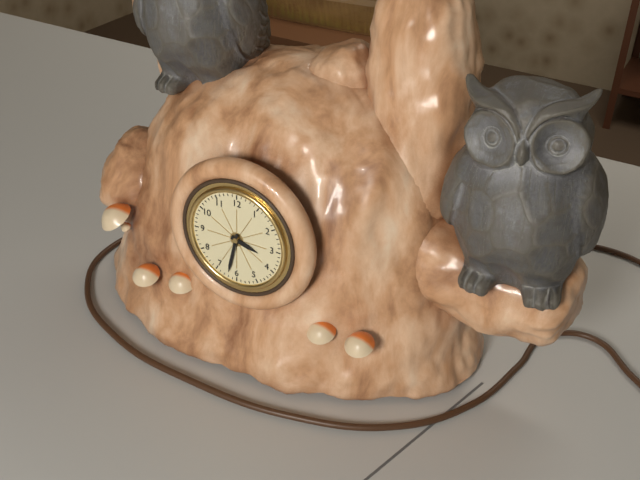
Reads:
h=3 m=32
